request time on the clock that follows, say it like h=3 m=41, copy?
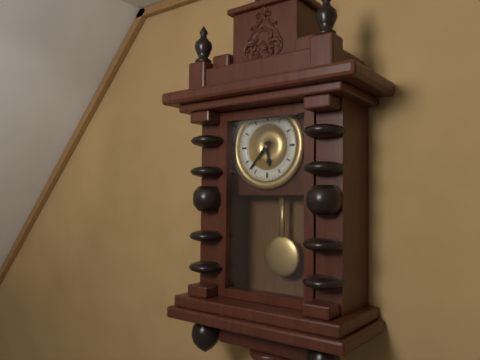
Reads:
h=5 m=37
